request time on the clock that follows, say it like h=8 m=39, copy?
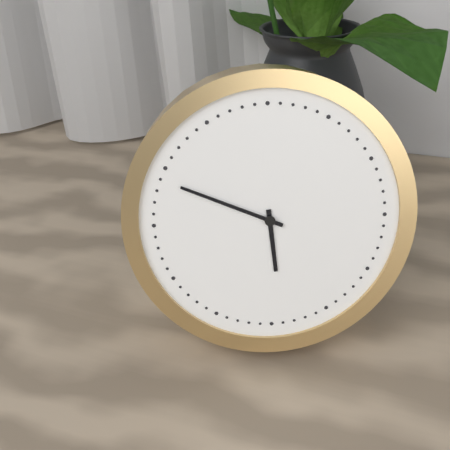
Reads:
h=5 m=49
